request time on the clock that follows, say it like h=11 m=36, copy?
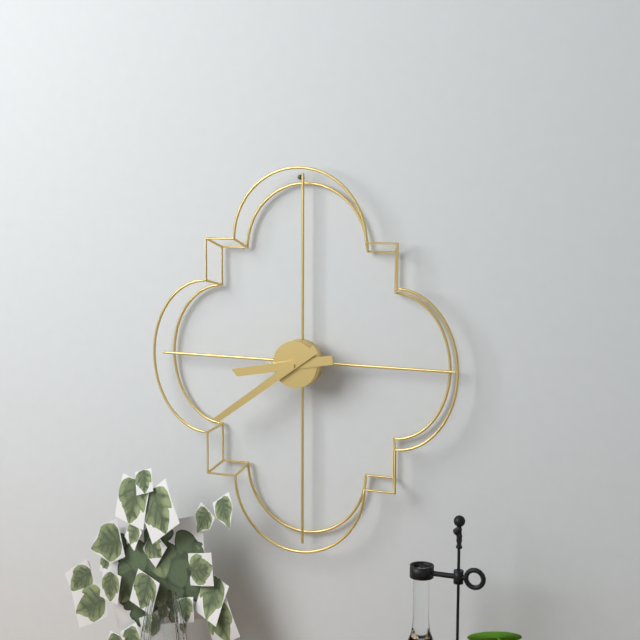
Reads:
h=8 m=39
